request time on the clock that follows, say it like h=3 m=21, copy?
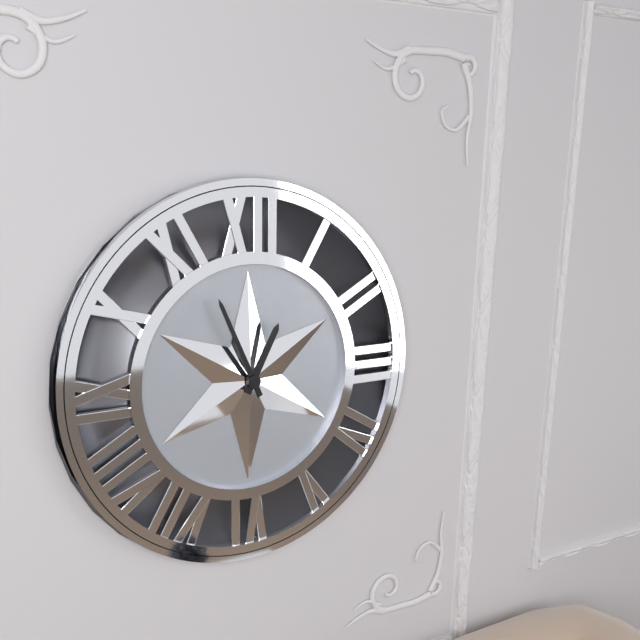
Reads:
h=12 m=56
